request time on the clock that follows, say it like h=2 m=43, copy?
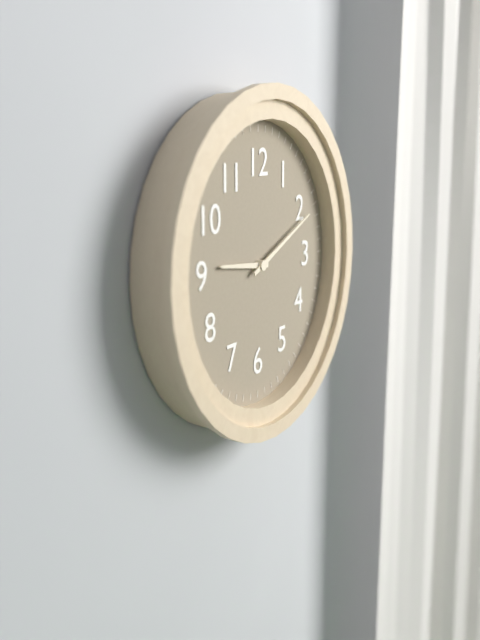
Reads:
h=9 m=11
